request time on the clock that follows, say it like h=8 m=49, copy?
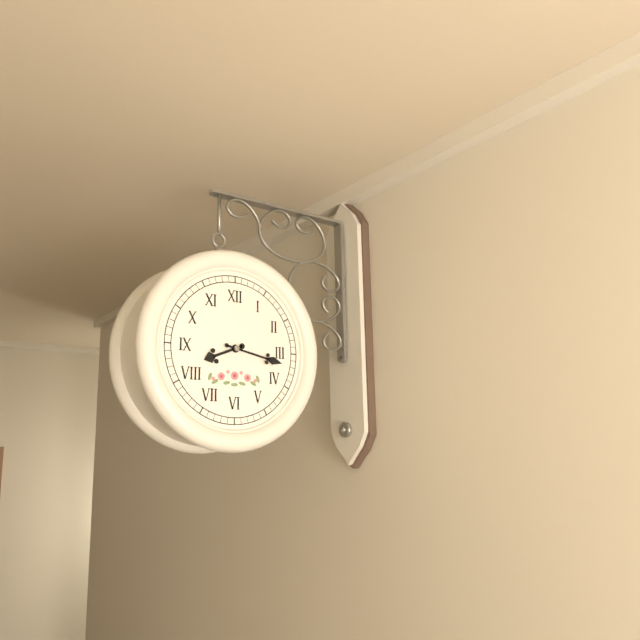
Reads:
h=8 m=17
